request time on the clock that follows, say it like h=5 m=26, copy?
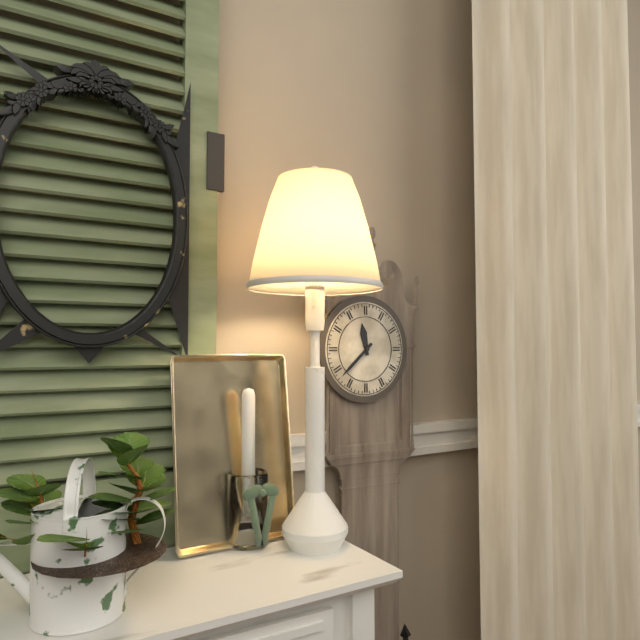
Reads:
h=11 m=38
